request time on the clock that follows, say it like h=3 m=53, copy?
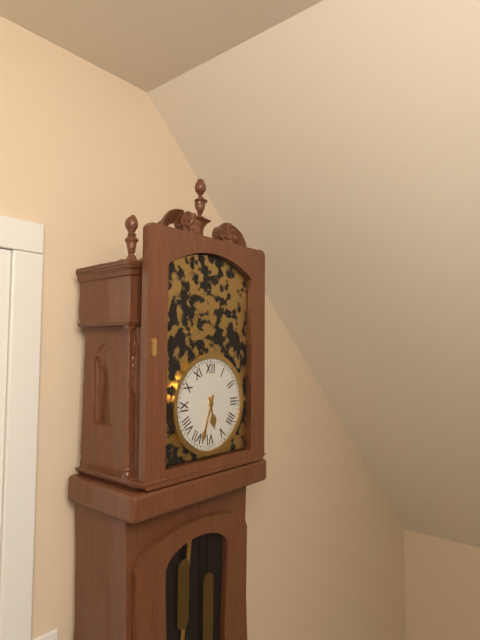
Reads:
h=5 m=33
